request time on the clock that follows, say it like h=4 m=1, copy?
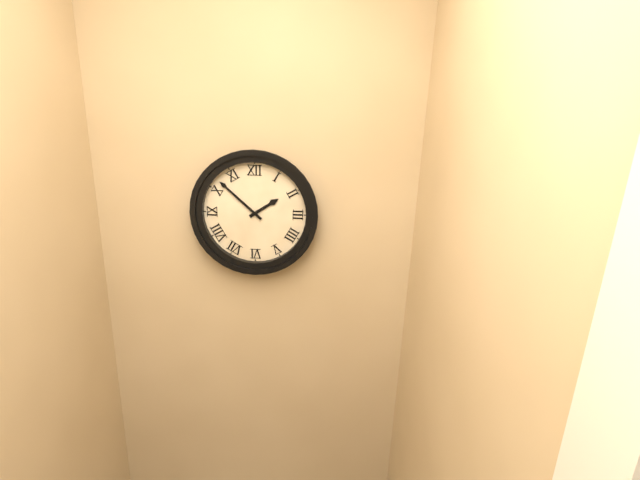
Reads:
h=1 m=52
